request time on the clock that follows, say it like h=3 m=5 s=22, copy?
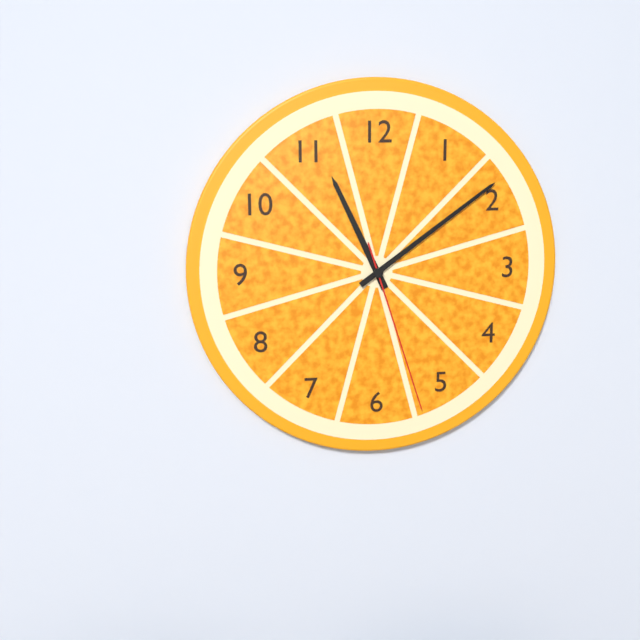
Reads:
h=11 m=9 s=27
